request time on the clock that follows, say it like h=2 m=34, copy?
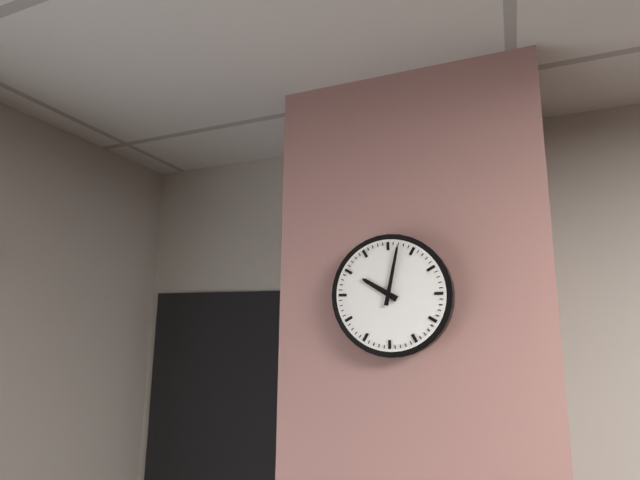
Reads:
h=10 m=2
